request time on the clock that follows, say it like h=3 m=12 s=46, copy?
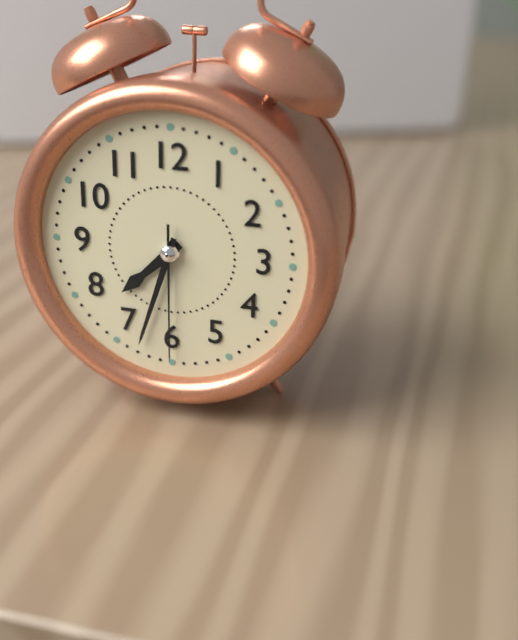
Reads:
h=7 m=33 s=30
